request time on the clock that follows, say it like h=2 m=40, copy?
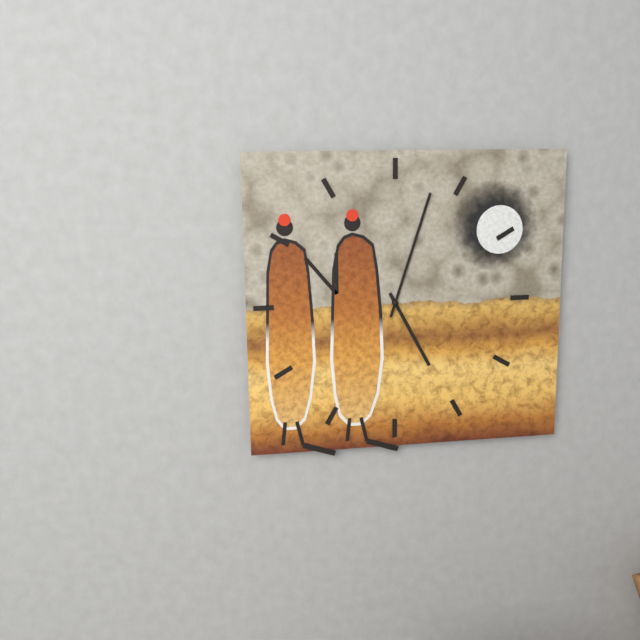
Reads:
h=5 m=3
